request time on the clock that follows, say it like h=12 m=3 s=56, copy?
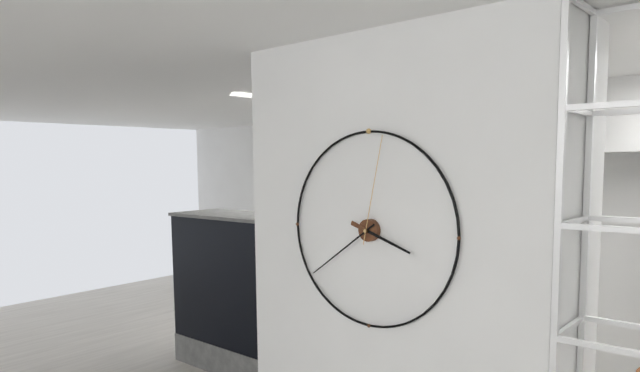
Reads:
h=3 m=39 s=2
